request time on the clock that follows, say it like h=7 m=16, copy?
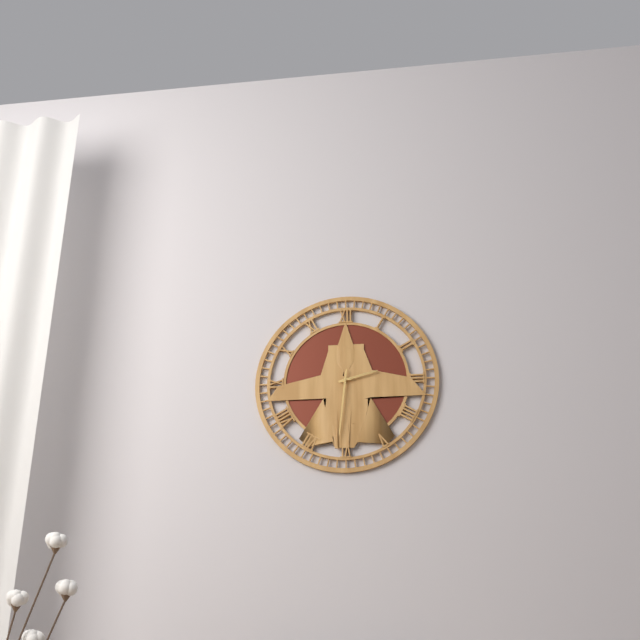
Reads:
h=2 m=31
